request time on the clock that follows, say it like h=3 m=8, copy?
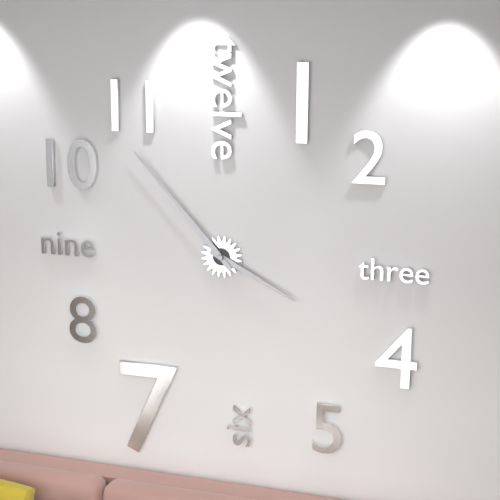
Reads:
h=3 m=53
